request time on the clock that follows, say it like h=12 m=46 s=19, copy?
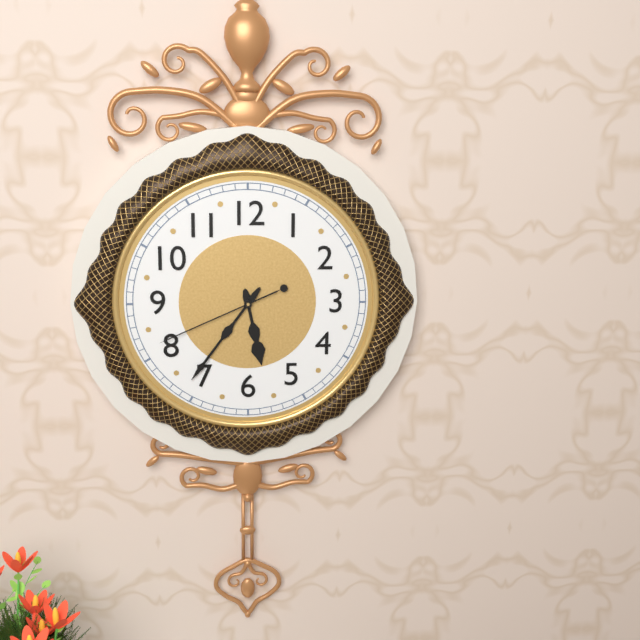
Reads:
h=5 m=36 s=41
